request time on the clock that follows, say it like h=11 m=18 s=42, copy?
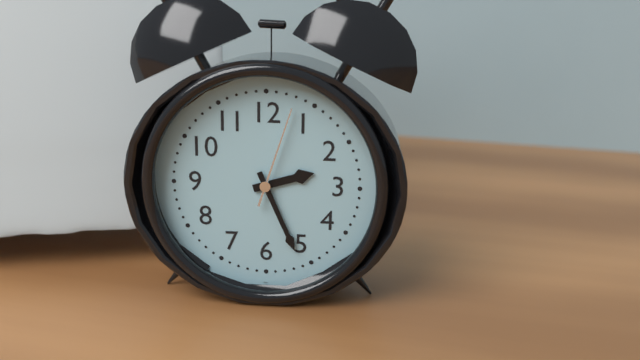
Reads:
h=2 m=26 s=3
